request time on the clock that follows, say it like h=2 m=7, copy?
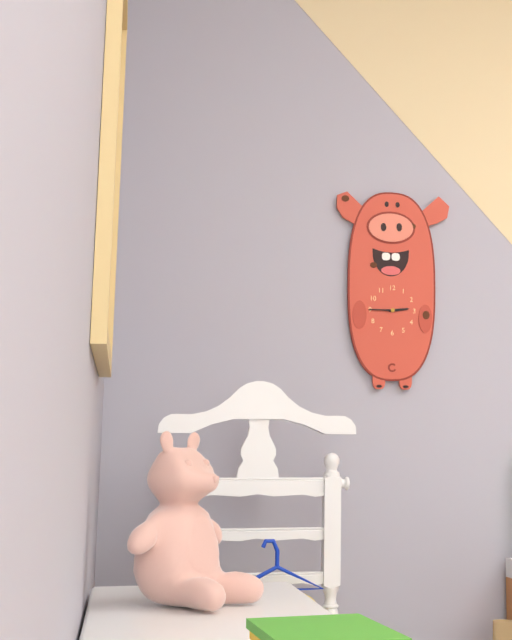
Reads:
h=2 m=45
